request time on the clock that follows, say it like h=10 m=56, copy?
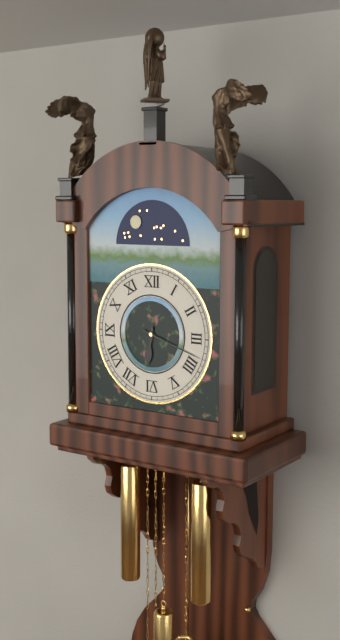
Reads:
h=6 m=18
